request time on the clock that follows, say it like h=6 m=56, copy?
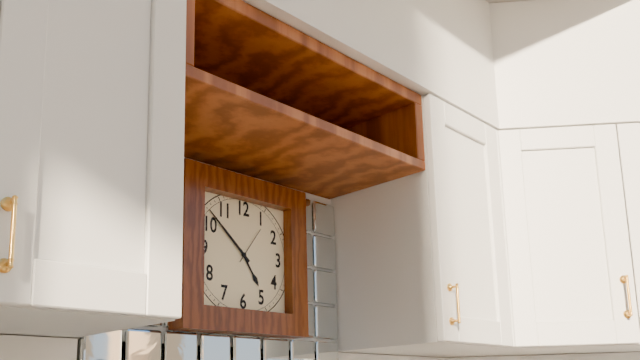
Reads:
h=4 m=52
